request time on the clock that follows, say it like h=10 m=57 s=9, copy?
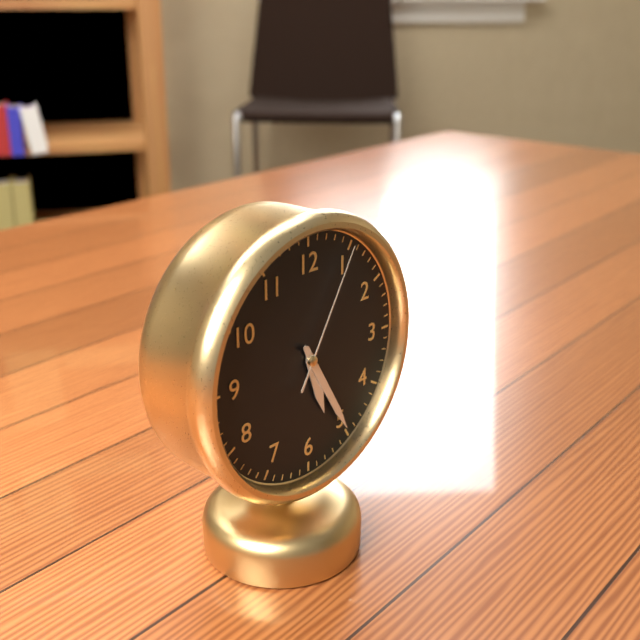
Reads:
h=5 m=25 s=5
